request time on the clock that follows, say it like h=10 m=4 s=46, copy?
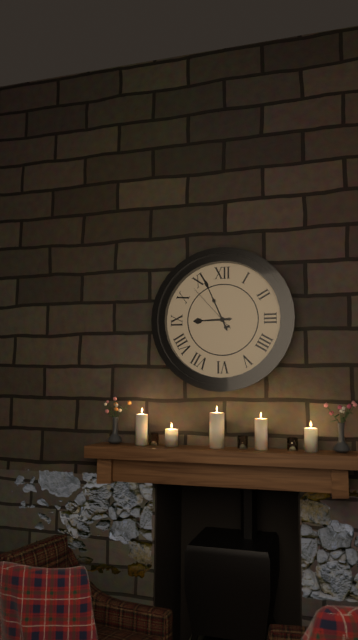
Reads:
h=8 m=56 s=53
